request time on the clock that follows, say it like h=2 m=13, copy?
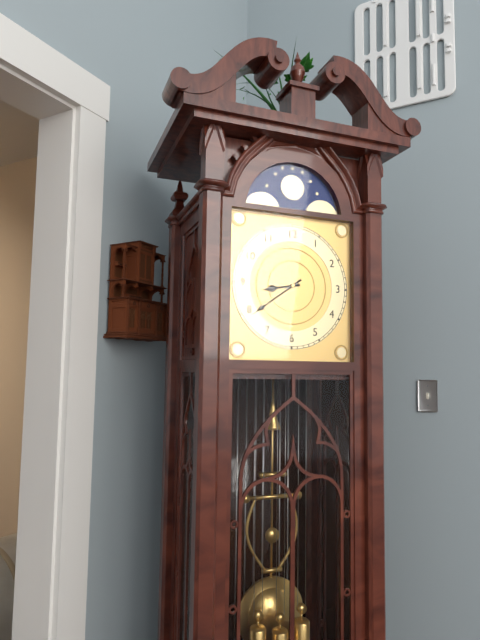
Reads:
h=8 m=39
